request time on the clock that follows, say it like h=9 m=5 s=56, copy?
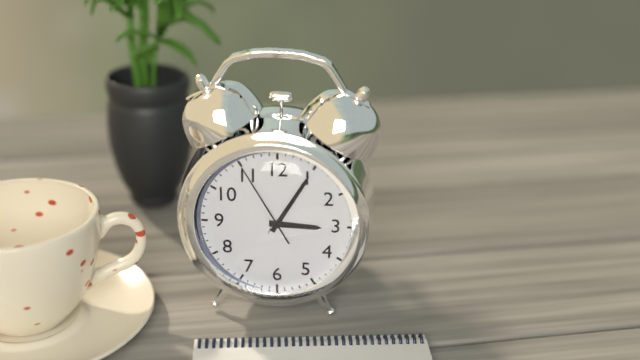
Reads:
h=3 m=5 s=55
